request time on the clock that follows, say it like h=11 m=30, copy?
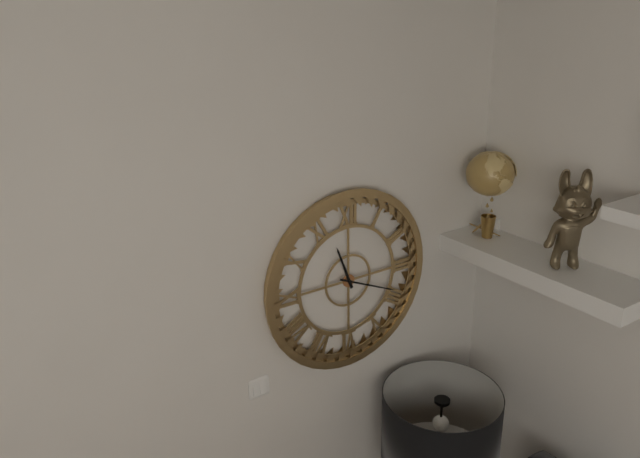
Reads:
h=11 m=19
